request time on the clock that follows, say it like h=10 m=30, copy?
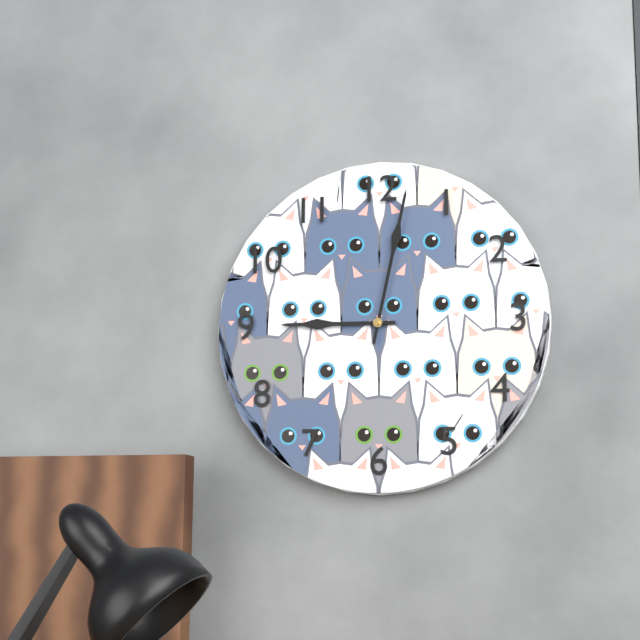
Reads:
h=9 m=2
